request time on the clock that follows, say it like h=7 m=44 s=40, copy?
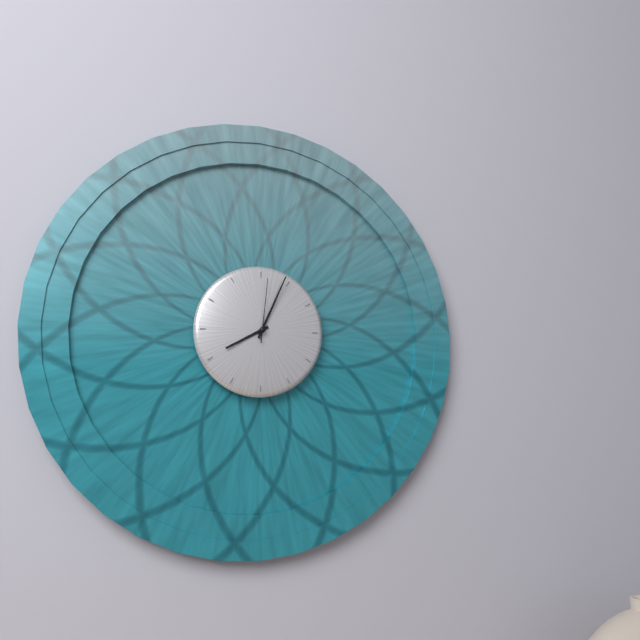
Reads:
h=8 m=4 s=1
